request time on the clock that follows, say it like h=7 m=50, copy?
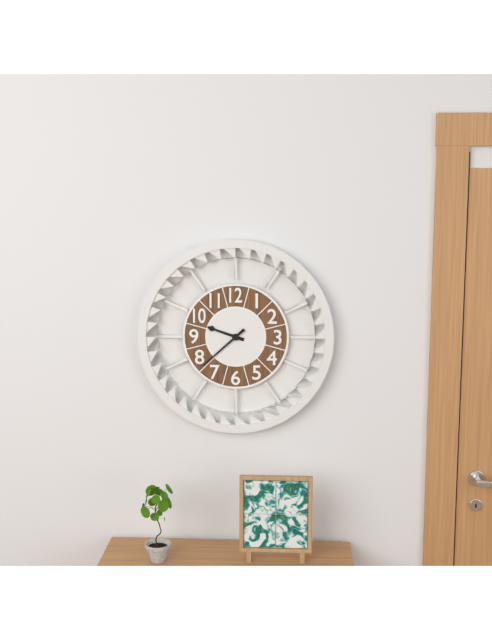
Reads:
h=9 m=38
